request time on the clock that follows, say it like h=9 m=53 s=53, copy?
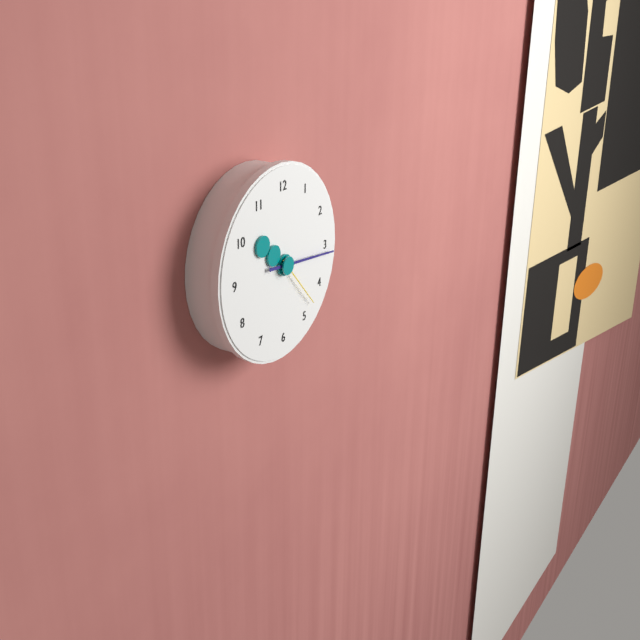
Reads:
h=10 m=16 s=23
